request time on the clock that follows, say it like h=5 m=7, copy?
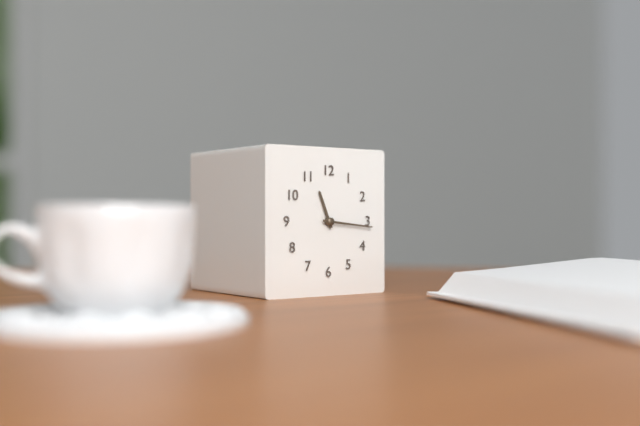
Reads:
h=11 m=16
